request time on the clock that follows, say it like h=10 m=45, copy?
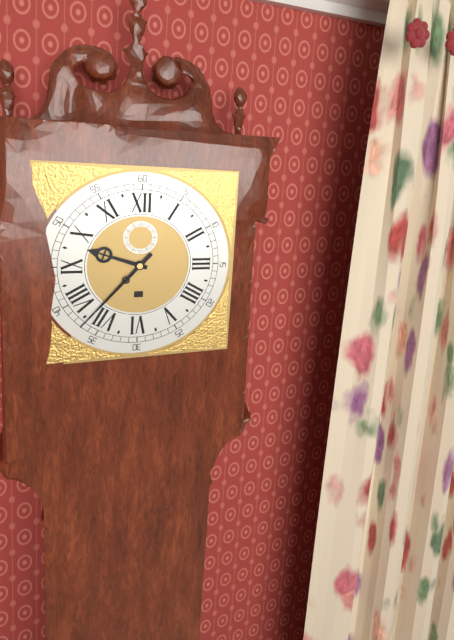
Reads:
h=9 m=37
